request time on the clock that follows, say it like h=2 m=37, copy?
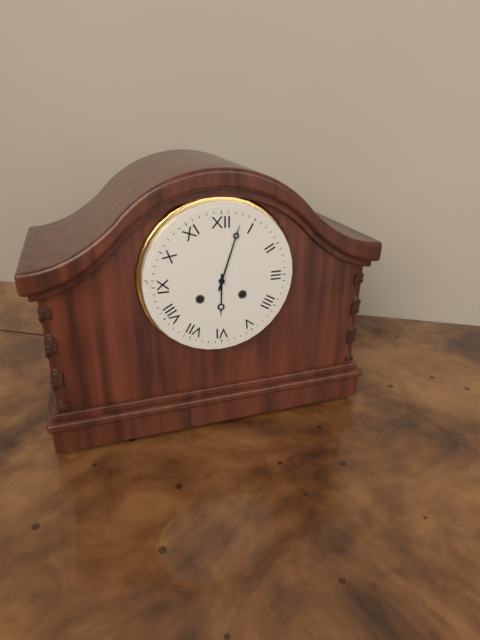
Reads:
h=6 m=3
